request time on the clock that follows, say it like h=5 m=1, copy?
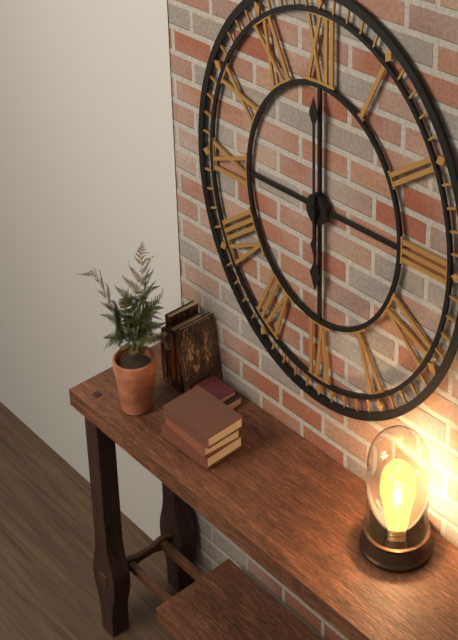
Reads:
h=6 m=0
